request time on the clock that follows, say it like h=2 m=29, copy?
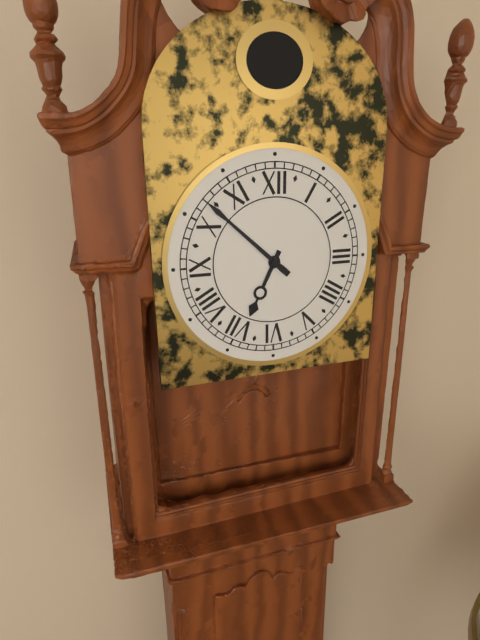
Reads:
h=6 m=52
